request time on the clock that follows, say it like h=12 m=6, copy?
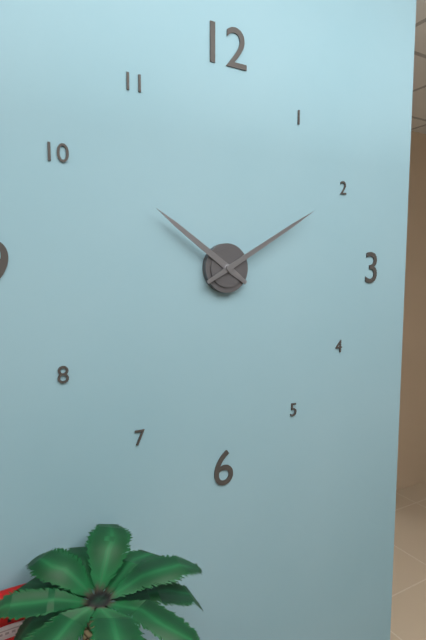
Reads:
h=10 m=10
